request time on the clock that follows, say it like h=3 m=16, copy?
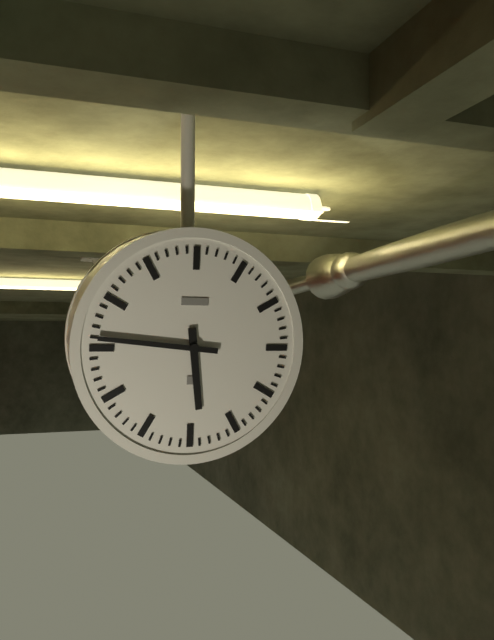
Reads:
h=5 m=46
